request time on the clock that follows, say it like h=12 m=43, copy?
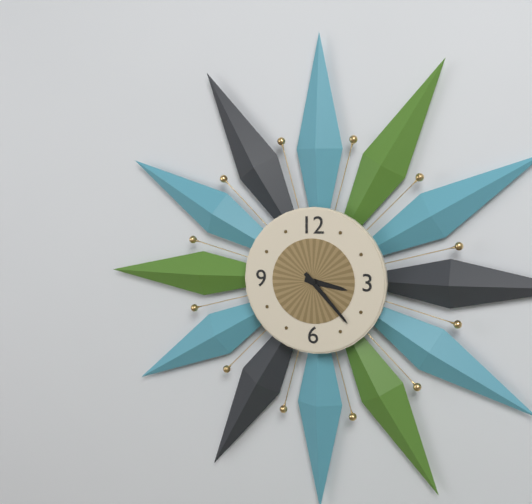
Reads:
h=3 m=23
